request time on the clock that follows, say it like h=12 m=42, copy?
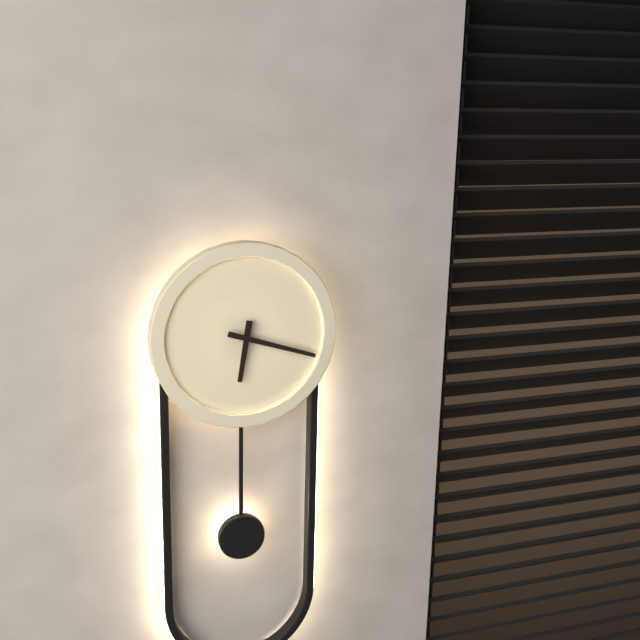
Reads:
h=6 m=18
